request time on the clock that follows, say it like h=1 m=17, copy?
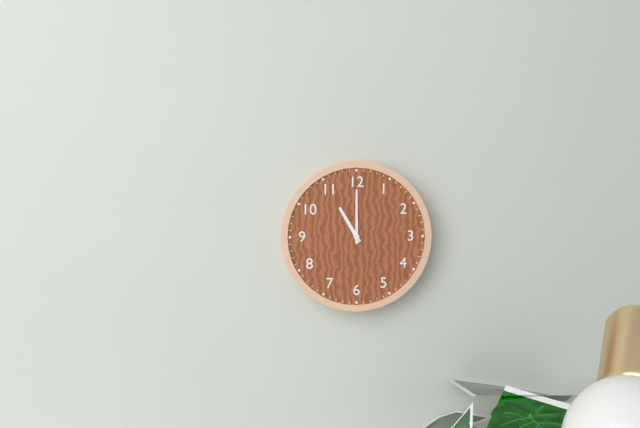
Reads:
h=11 m=0
